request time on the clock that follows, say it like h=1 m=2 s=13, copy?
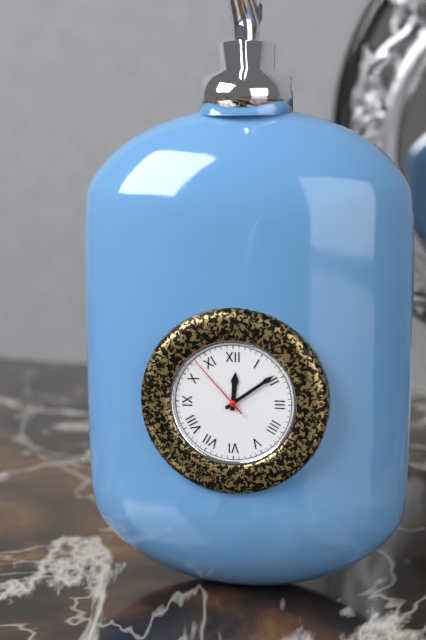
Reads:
h=12 m=9 s=53
